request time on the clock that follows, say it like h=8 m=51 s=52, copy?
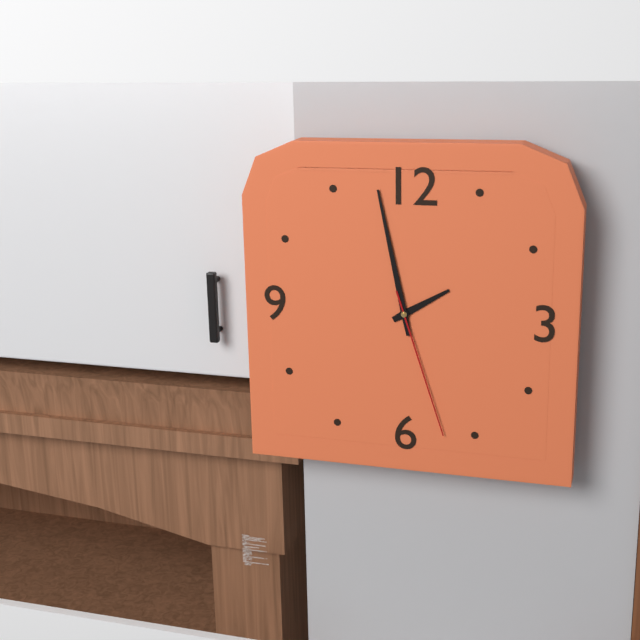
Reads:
h=1 m=58 s=27
